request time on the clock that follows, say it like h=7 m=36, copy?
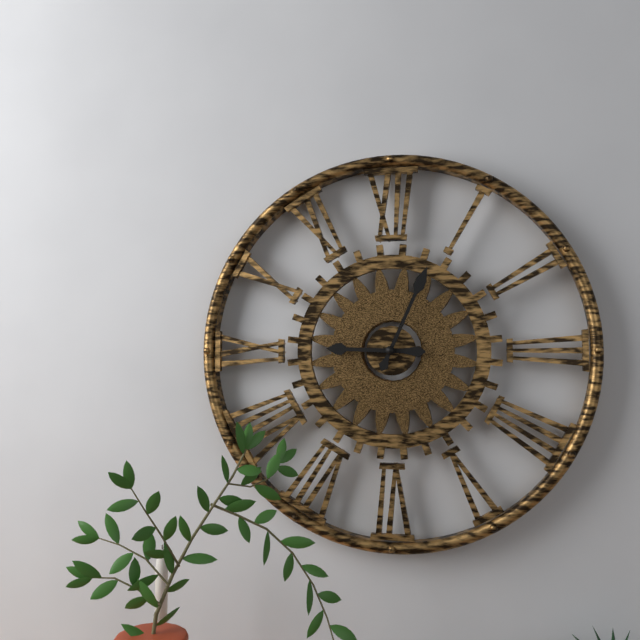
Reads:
h=9 m=4
